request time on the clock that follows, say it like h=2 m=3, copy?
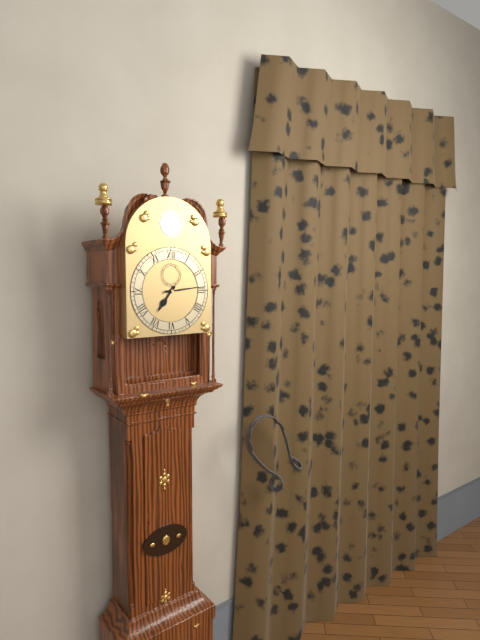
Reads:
h=7 m=14
